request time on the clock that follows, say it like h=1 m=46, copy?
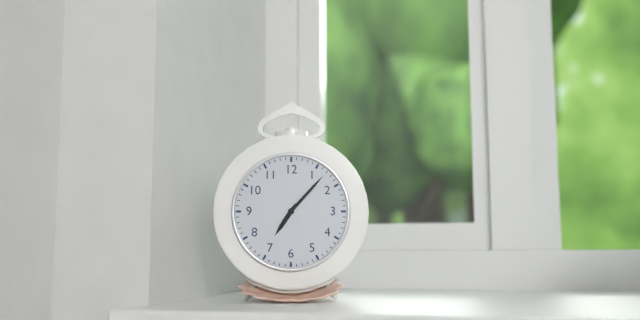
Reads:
h=7 m=7
